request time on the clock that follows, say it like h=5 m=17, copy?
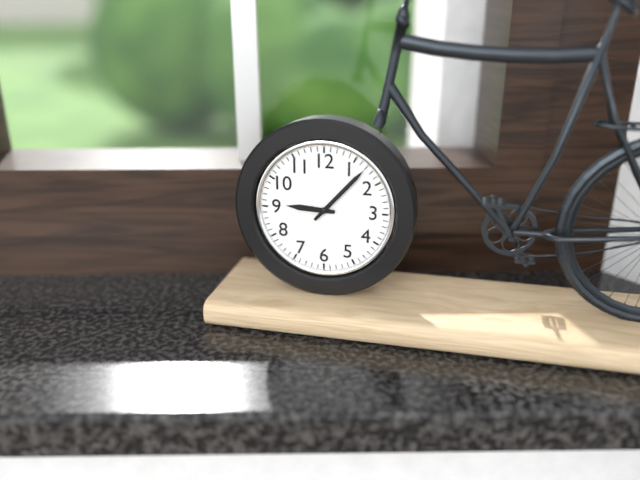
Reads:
h=9 m=7
